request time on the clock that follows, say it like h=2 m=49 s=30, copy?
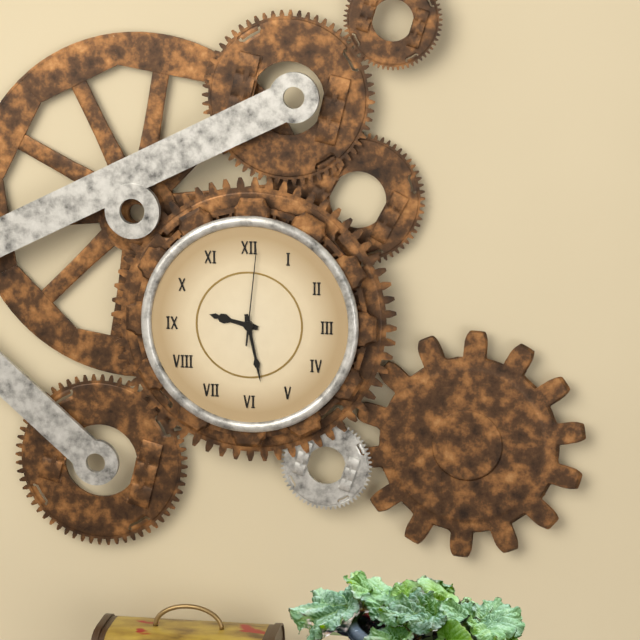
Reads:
h=9 m=28 s=1
